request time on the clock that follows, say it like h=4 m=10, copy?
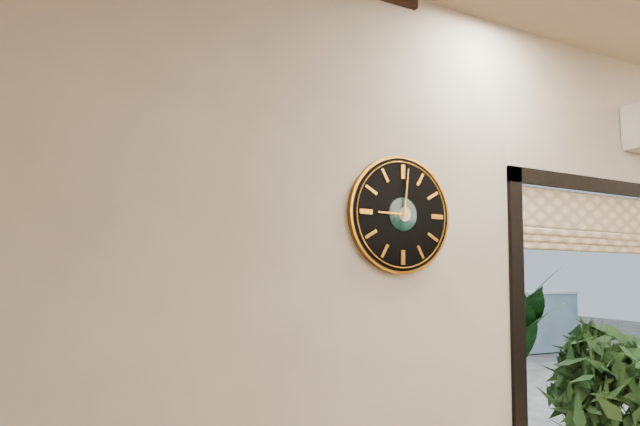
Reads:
h=9 m=1
